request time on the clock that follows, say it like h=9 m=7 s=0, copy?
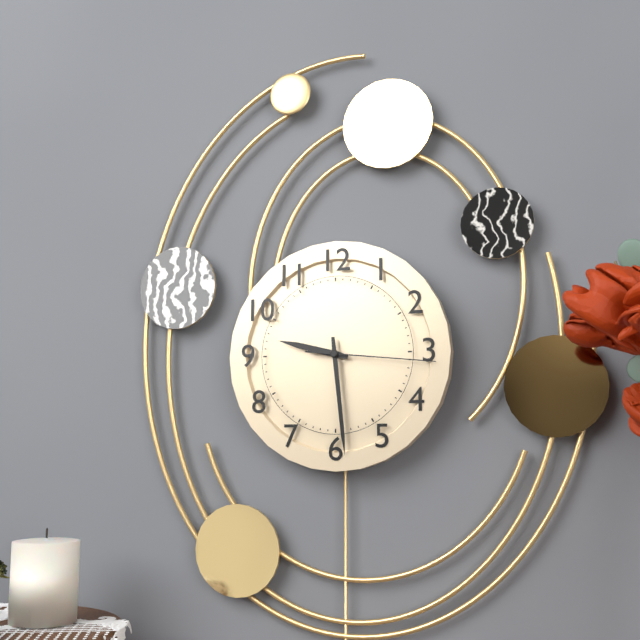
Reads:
h=9 m=29 s=16
